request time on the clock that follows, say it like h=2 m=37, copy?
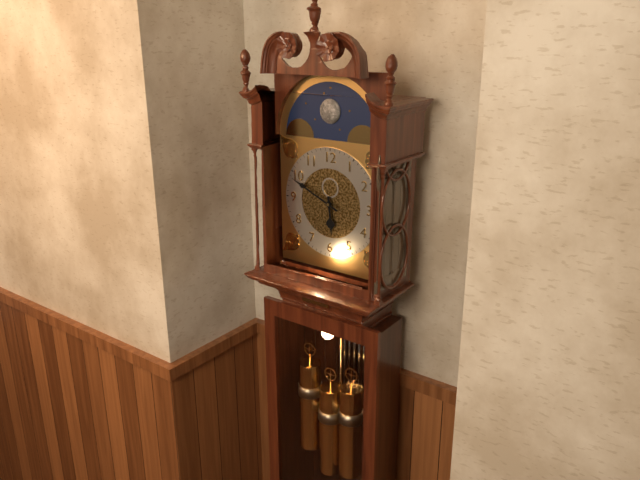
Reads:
h=5 m=49
